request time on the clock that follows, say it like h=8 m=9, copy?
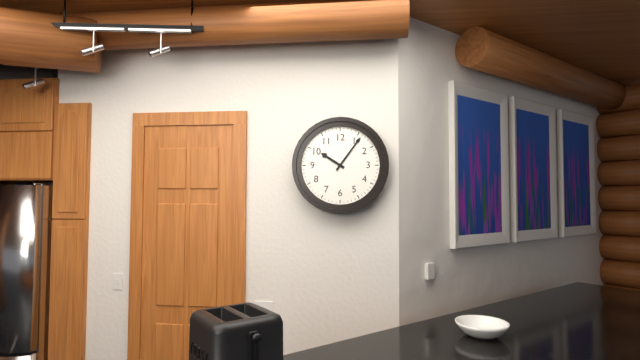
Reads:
h=10 m=6
